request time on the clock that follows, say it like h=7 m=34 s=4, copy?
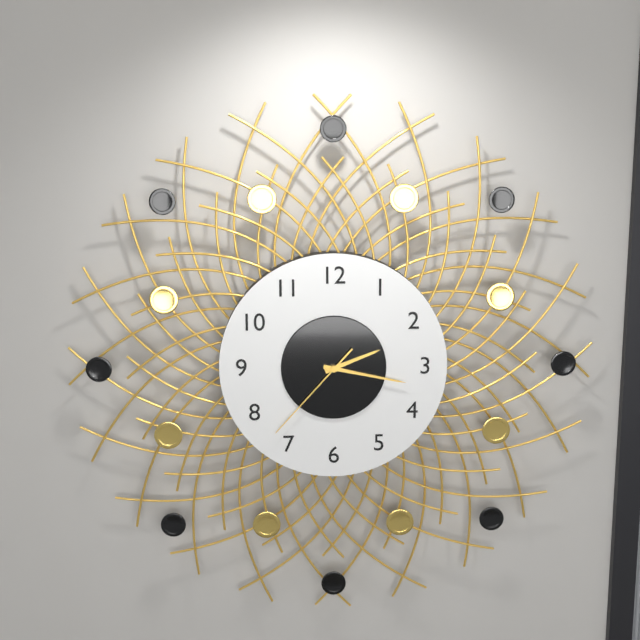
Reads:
h=2 m=17 s=37
